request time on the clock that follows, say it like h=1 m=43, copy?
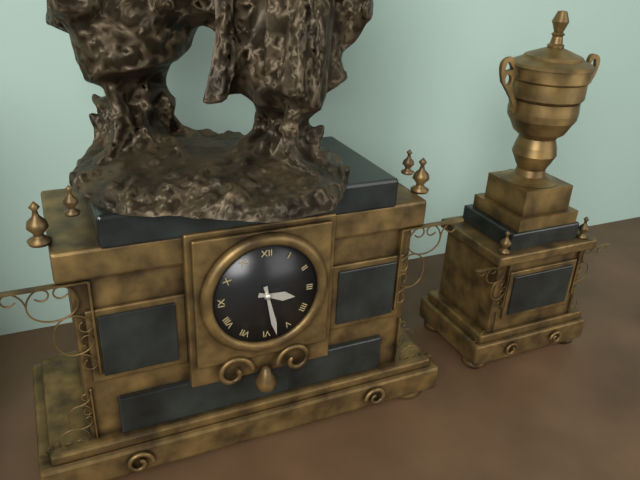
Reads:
h=3 m=28
